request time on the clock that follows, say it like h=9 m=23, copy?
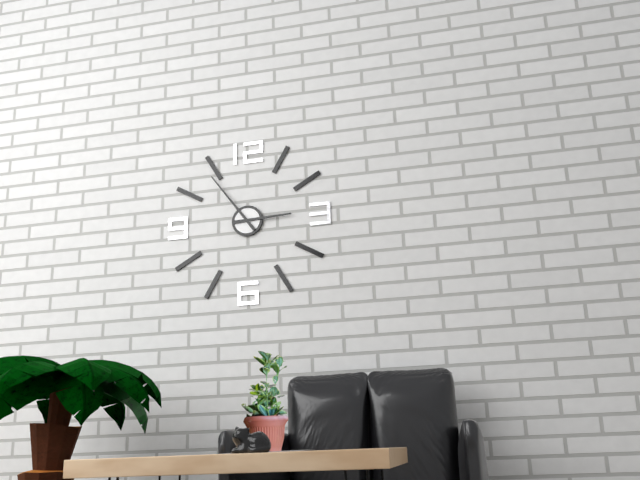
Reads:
h=2 m=54
